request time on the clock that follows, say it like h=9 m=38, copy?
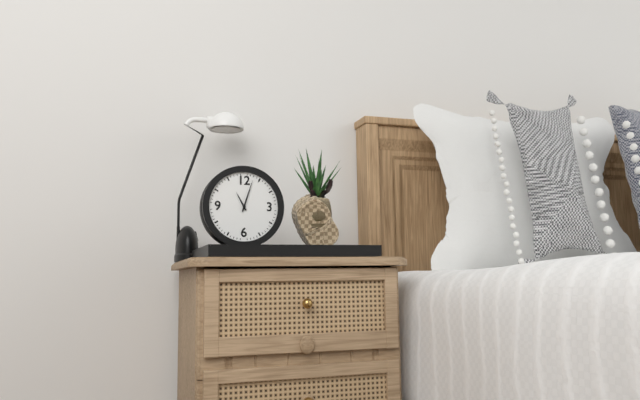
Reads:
h=11 m=3
